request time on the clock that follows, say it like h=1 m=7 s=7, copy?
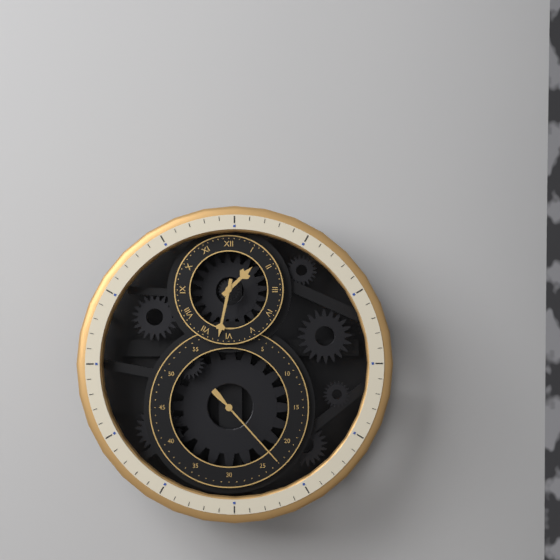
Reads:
h=1 m=32 s=23
